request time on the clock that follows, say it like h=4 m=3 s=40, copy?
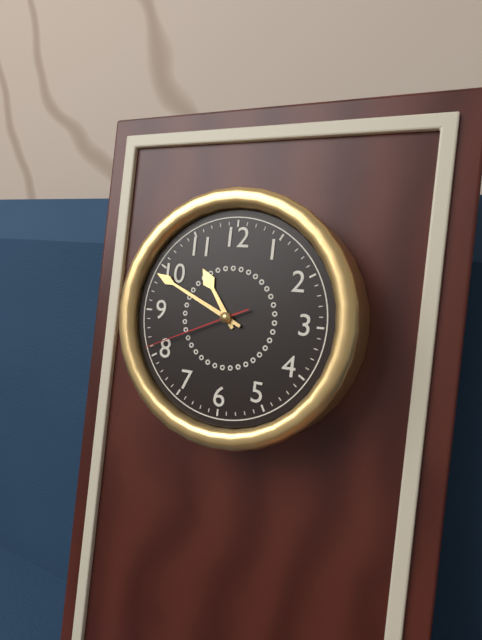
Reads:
h=10 m=49 s=41
